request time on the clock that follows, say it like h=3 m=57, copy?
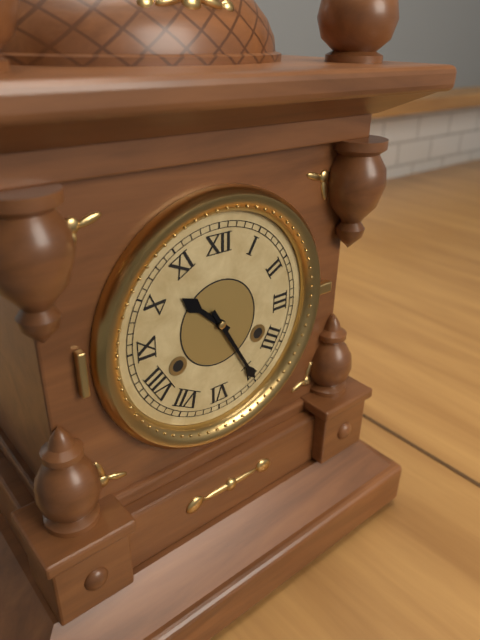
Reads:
h=10 m=25
